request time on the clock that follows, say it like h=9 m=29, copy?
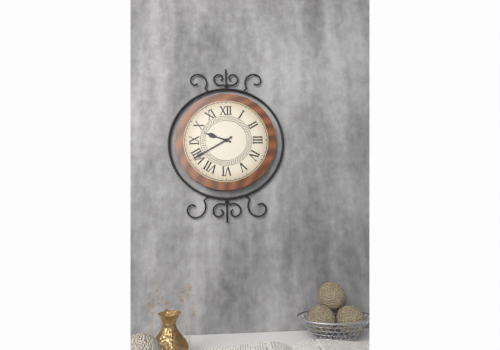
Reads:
h=9 m=40
